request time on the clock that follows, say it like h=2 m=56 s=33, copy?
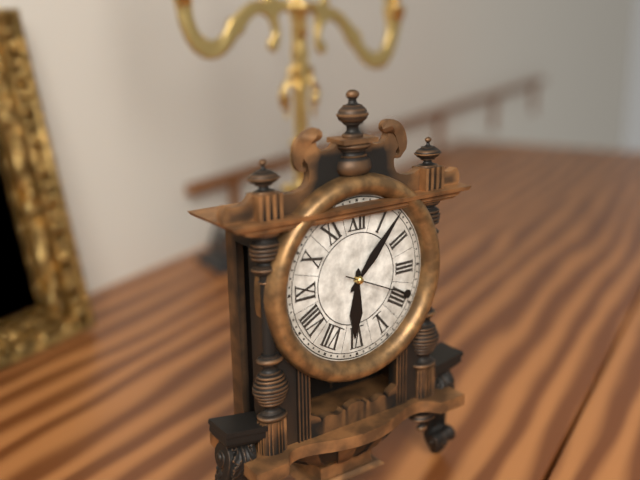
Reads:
h=6 m=7 s=19
